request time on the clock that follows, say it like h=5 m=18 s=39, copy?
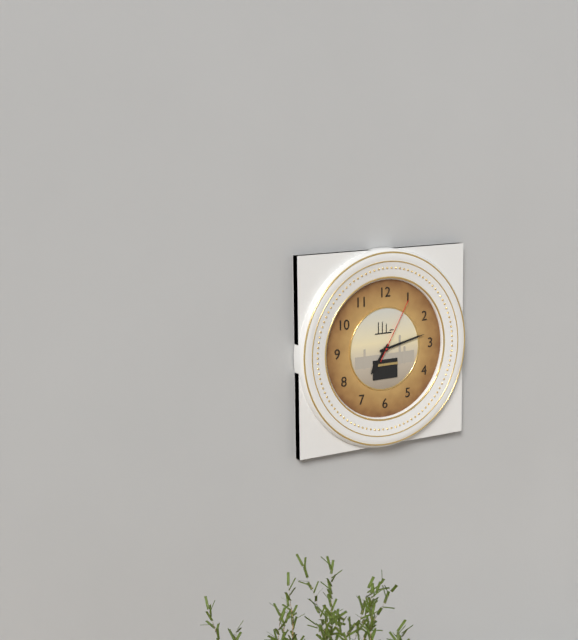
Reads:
h=7 m=13 s=5
